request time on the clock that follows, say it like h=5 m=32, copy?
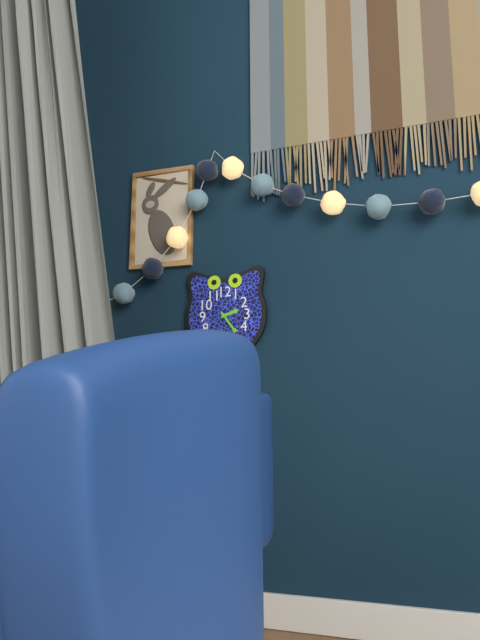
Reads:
h=2 m=24
